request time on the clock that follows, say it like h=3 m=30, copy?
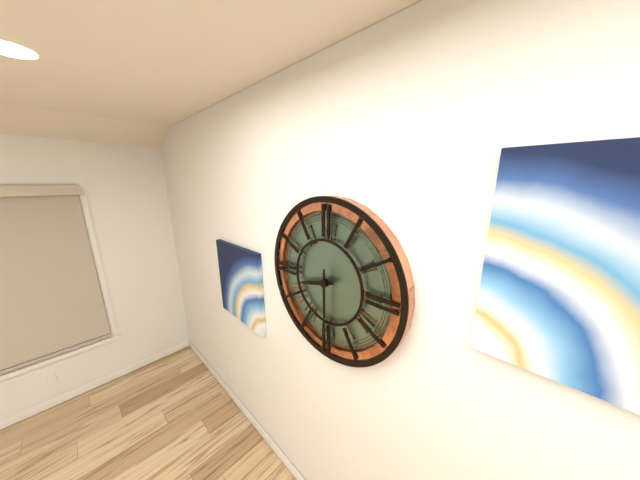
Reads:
h=8 m=30
